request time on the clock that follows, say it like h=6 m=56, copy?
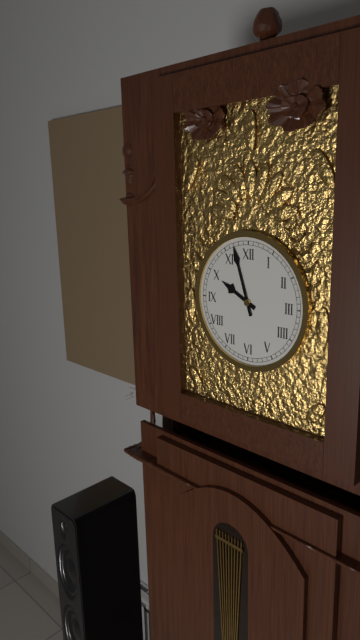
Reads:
h=9 m=57
